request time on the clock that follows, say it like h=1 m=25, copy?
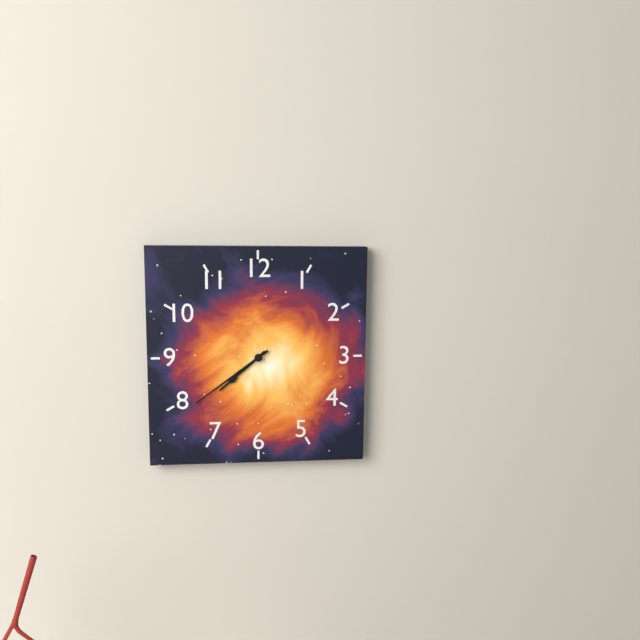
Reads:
h=7 m=39
